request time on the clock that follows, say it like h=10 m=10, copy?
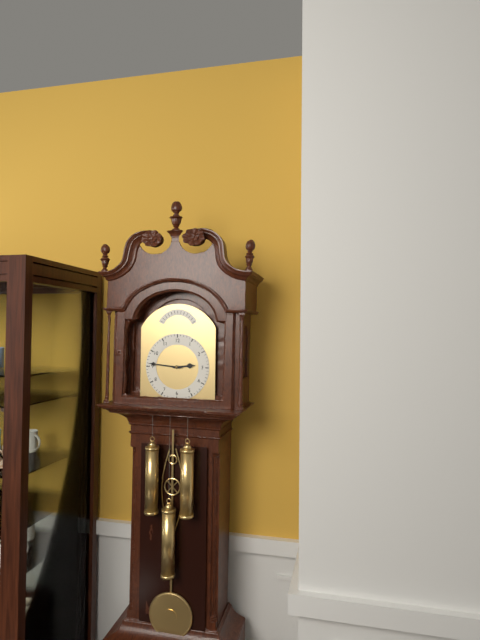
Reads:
h=2 m=46
